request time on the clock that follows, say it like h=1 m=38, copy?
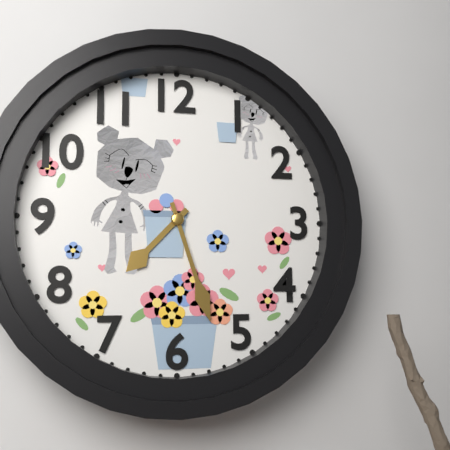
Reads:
h=7 m=27
